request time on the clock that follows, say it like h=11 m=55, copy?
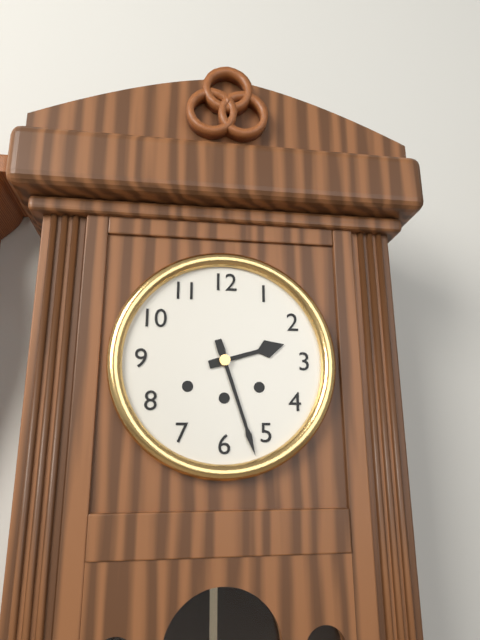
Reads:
h=2 m=27
